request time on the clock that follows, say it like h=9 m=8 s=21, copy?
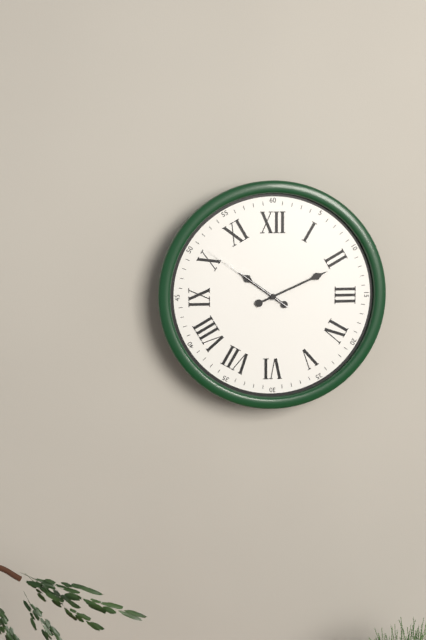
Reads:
h=10 m=11 s=51
